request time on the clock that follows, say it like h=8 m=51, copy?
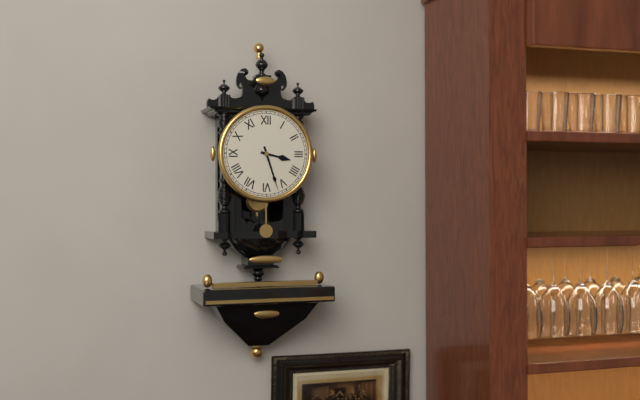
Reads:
h=3 m=27
